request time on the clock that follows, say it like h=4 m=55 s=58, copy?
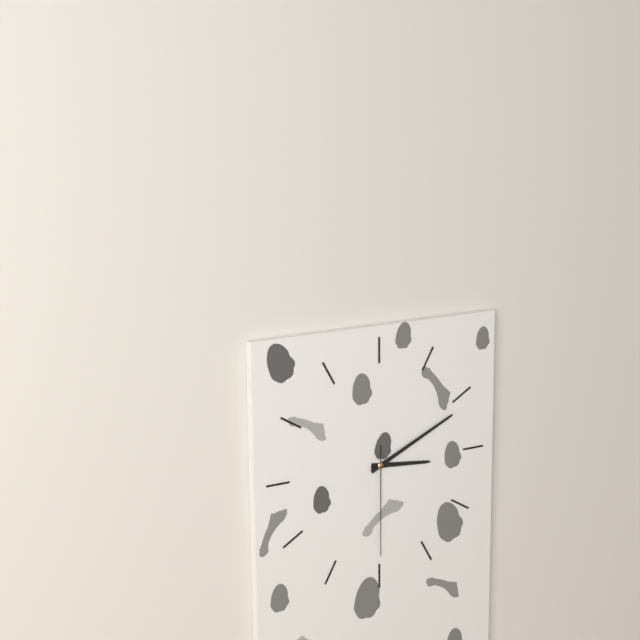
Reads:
h=3 m=11 s=30
